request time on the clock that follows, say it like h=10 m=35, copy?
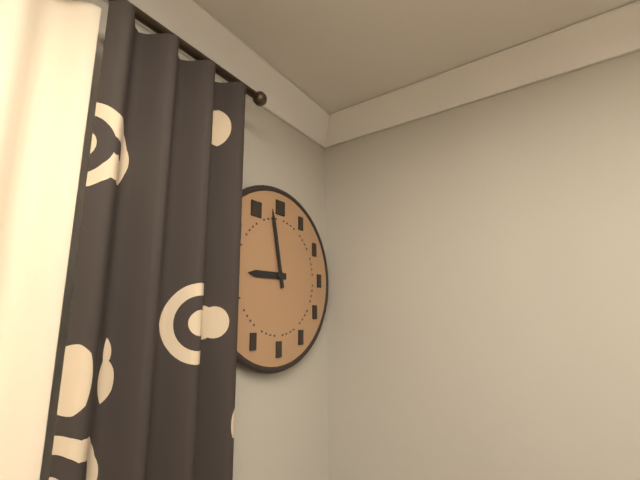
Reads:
h=8 m=58
